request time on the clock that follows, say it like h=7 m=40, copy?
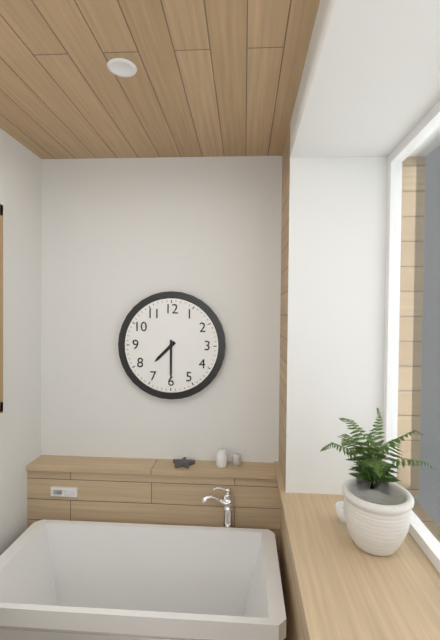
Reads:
h=7 m=30
